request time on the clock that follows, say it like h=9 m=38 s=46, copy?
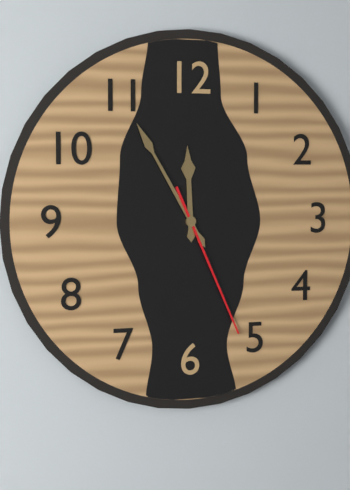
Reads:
h=11 m=55 s=26
